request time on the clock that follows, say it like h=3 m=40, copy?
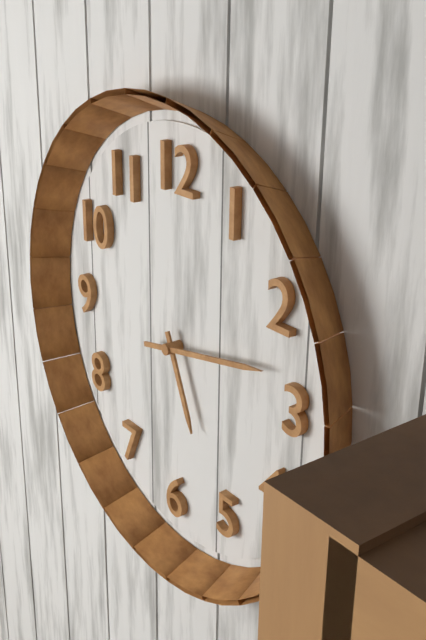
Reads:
h=5 m=13
